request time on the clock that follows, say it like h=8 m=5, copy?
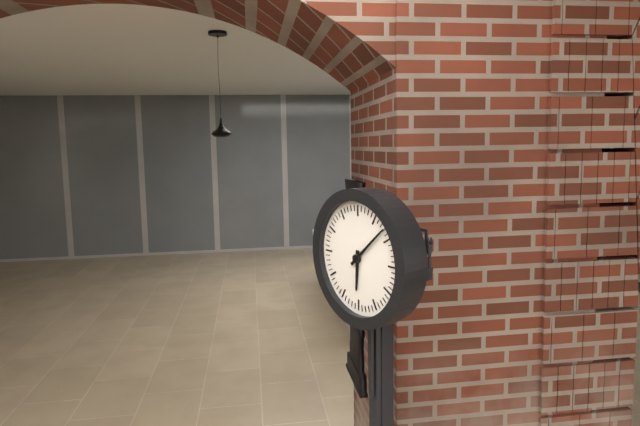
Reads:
h=6 m=8
